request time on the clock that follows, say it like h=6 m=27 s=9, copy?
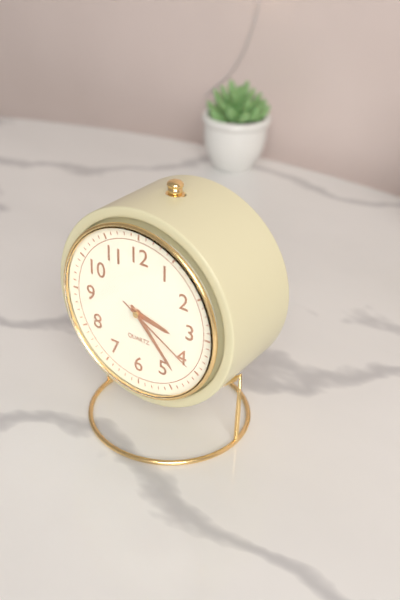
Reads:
h=3 m=23 s=20
